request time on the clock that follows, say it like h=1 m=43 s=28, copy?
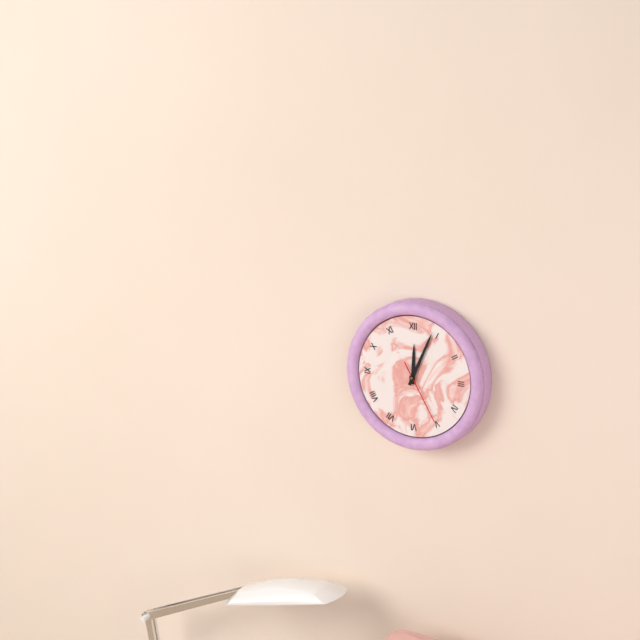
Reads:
h=12 m=4 s=25
